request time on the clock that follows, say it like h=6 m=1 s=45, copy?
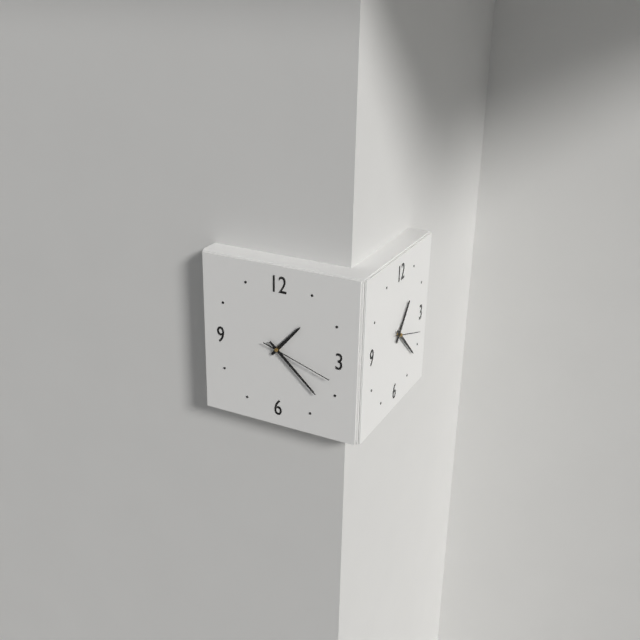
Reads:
h=1 m=22 s=18
